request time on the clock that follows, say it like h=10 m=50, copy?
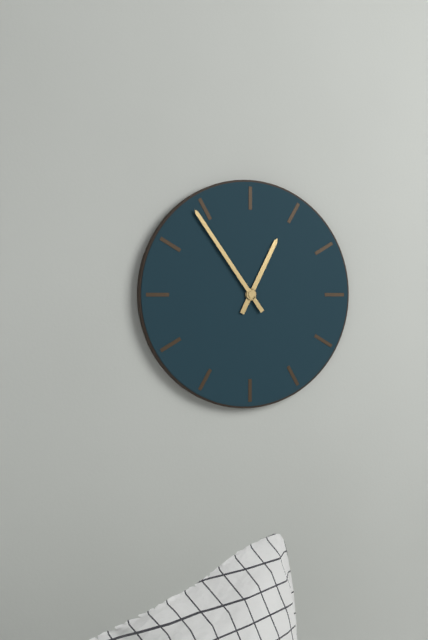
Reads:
h=12 m=54
